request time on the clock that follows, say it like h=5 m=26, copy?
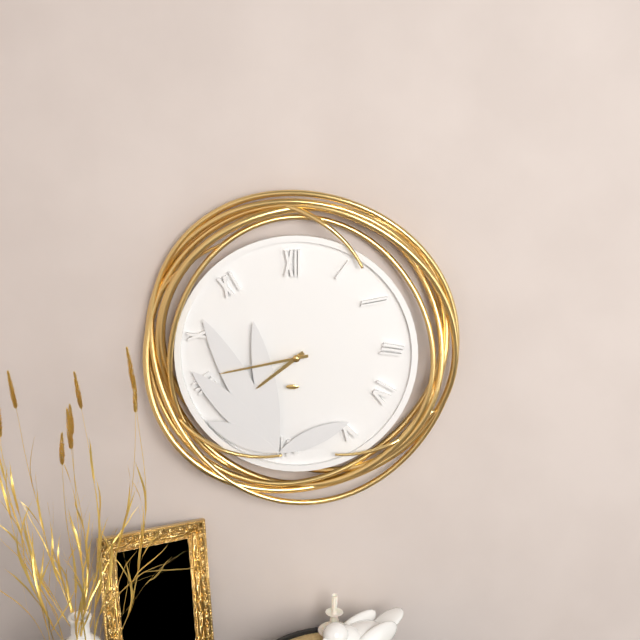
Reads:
h=7 m=43
